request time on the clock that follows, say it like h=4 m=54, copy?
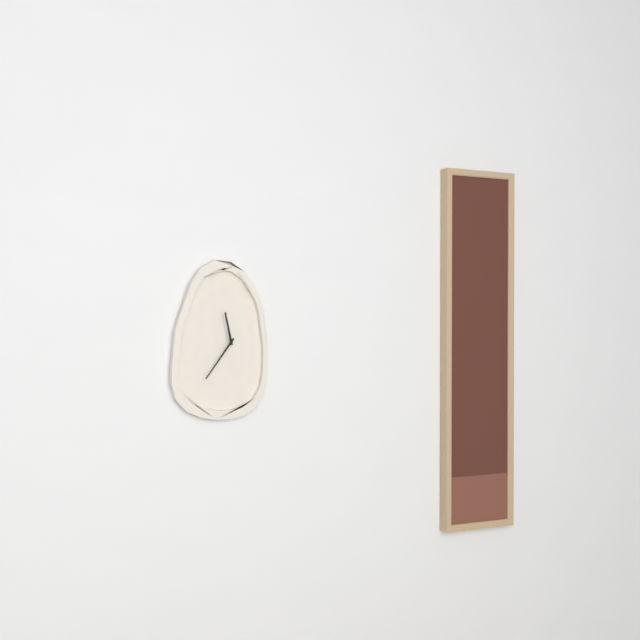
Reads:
h=11 m=36
